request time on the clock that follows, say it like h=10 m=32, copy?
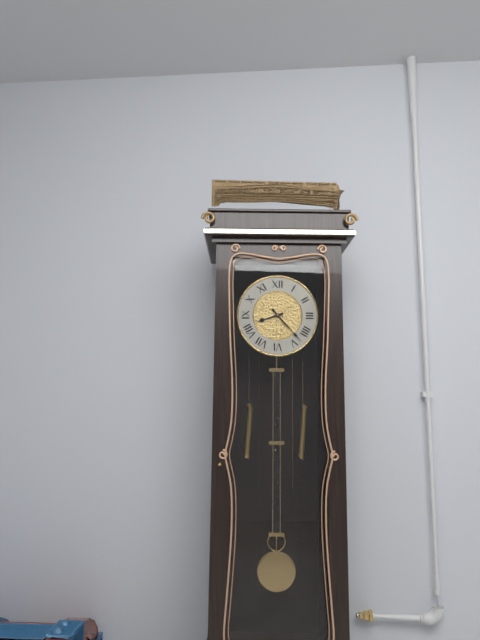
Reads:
h=8 m=23
